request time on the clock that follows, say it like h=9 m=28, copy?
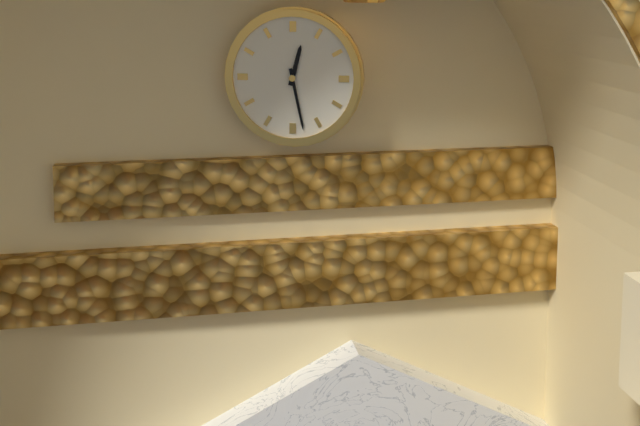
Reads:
h=12 m=28
